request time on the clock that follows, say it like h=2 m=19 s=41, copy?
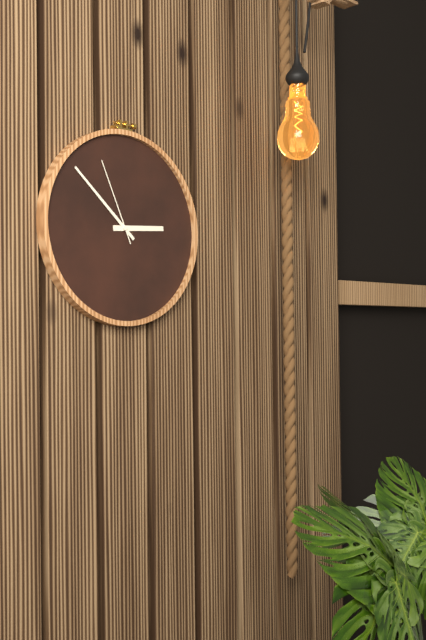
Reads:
h=2 m=52 s=56
